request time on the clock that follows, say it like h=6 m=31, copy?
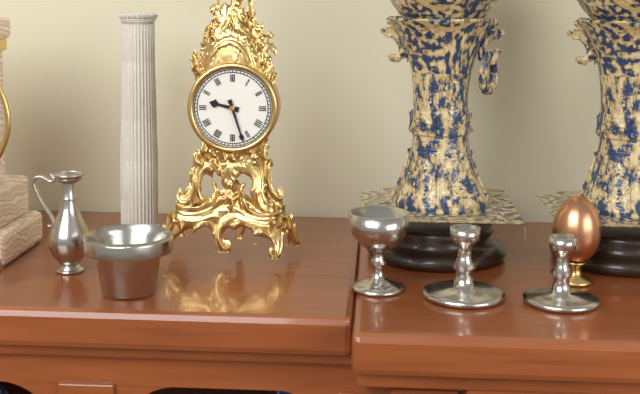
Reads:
h=9 m=27
